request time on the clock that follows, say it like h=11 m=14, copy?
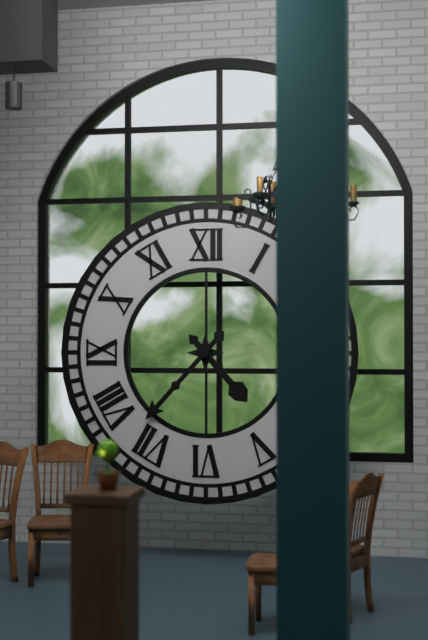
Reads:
h=4 m=37
